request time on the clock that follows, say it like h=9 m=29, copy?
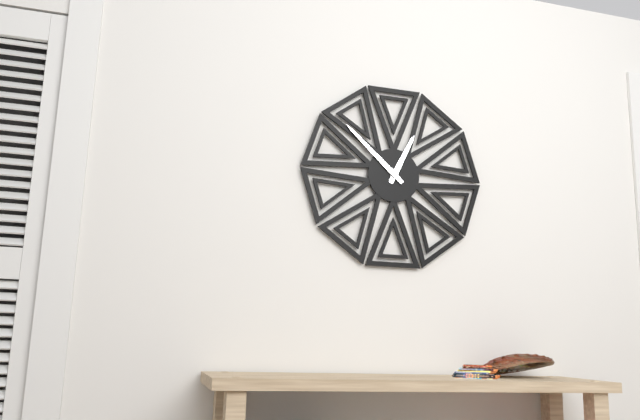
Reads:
h=12 m=52
